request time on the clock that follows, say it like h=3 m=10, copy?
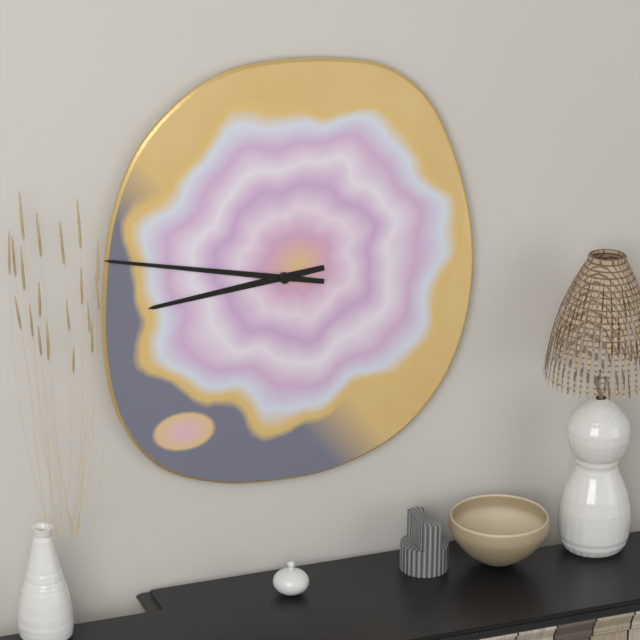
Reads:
h=8 m=47
